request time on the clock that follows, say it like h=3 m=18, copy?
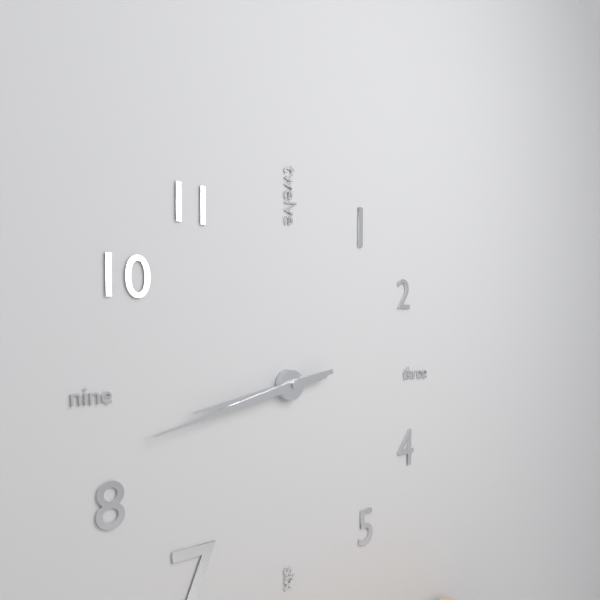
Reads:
h=8 m=43
